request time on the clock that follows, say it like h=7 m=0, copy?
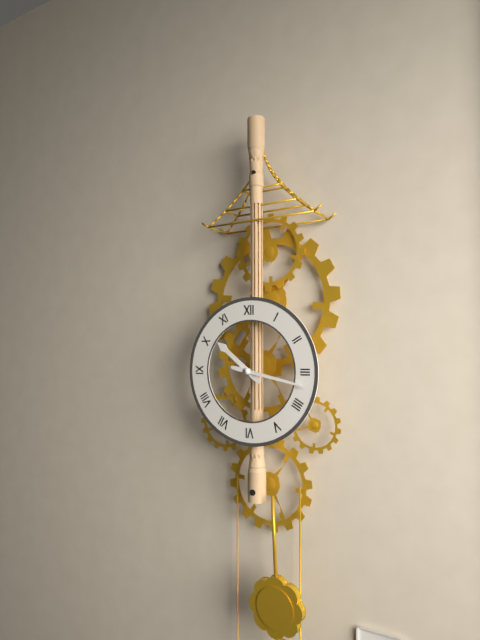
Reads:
h=10 m=17
